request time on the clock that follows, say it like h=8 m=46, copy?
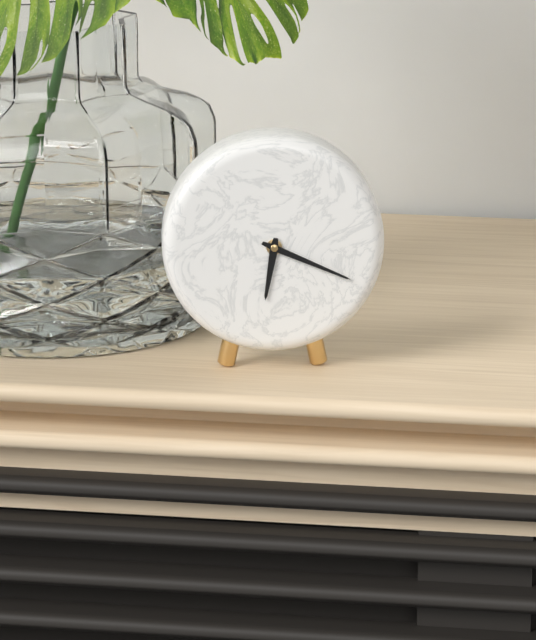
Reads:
h=6 m=19
